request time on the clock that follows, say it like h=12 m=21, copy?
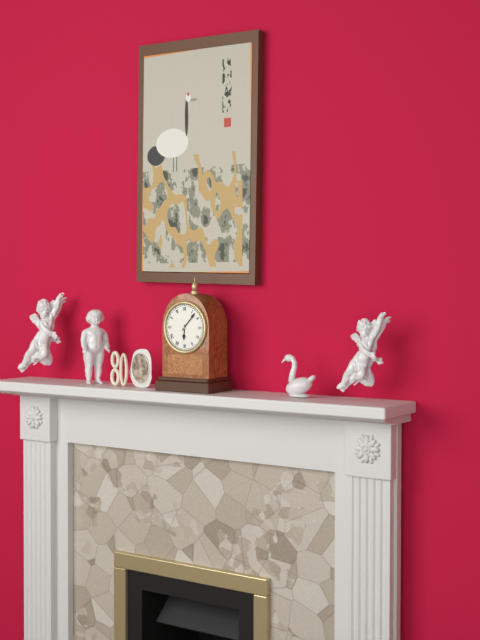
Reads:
h=6 m=7
